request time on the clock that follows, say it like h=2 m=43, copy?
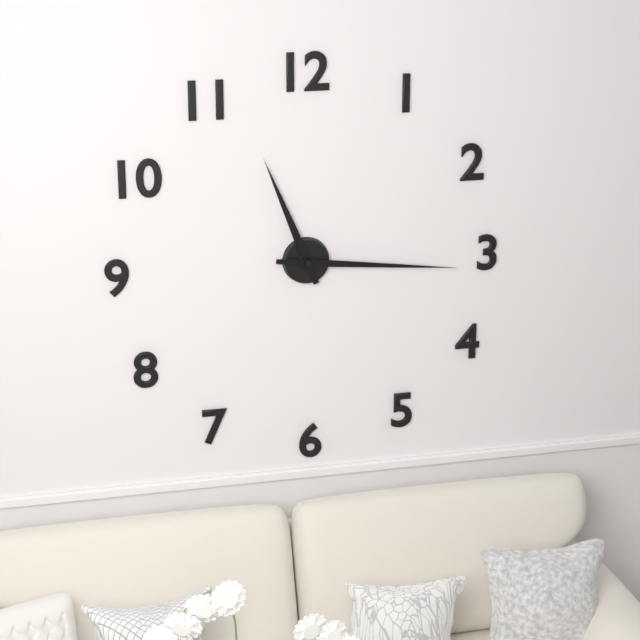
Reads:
h=11 m=16
